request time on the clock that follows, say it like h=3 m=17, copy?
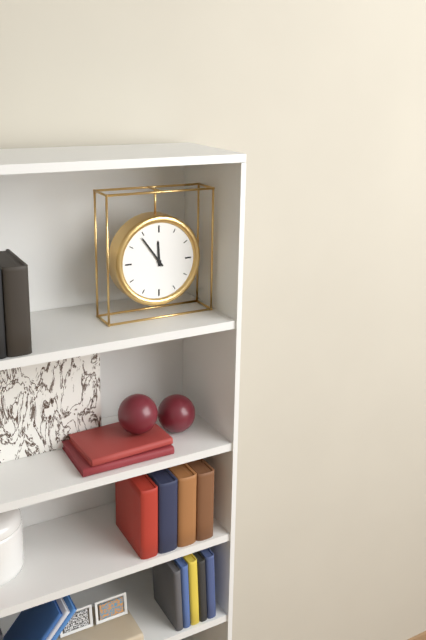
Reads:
h=11 m=54
